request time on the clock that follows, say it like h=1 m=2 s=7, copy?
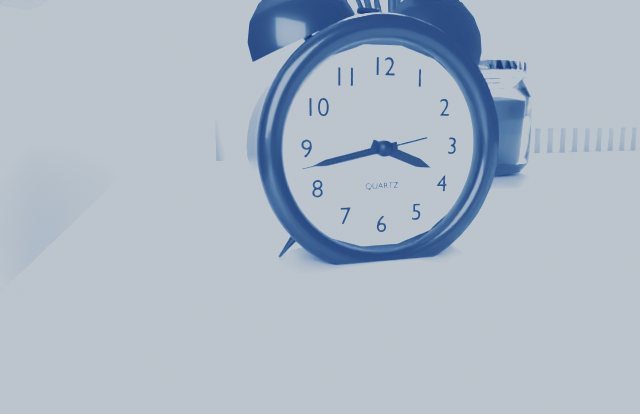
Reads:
h=3 m=43 s=43
